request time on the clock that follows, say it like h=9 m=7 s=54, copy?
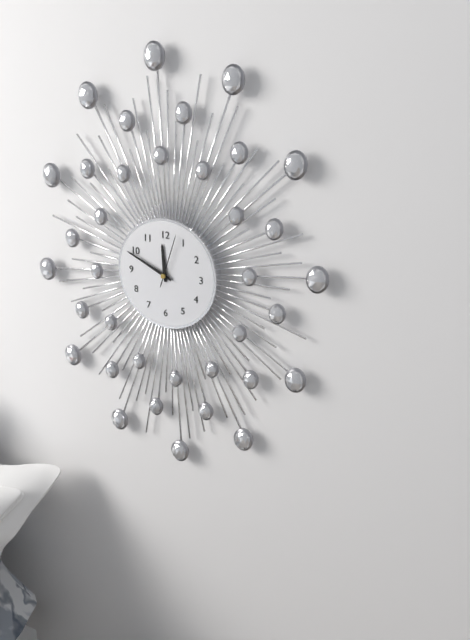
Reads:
h=11 m=49 s=3
